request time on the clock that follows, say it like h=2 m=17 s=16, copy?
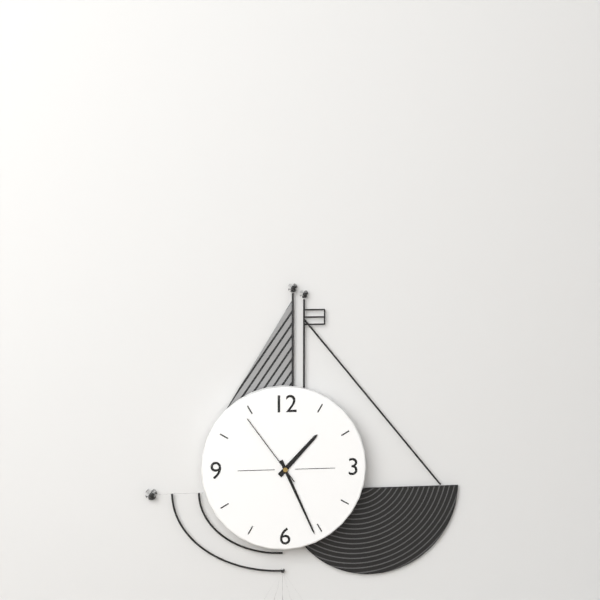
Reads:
h=1 m=26 s=54
